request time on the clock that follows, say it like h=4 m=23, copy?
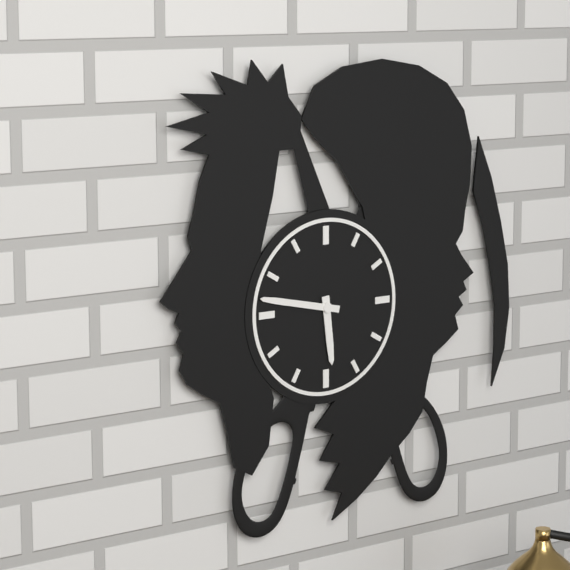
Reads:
h=5 m=47
